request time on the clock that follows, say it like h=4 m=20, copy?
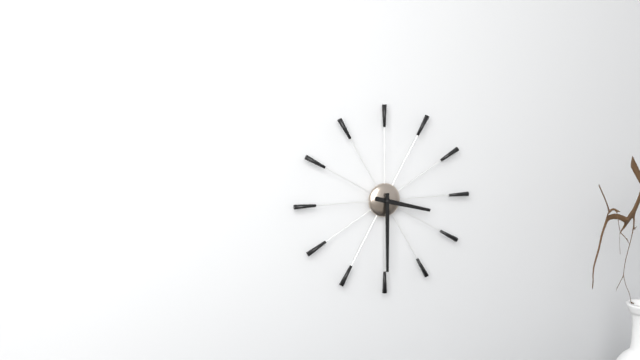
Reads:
h=3 m=30
